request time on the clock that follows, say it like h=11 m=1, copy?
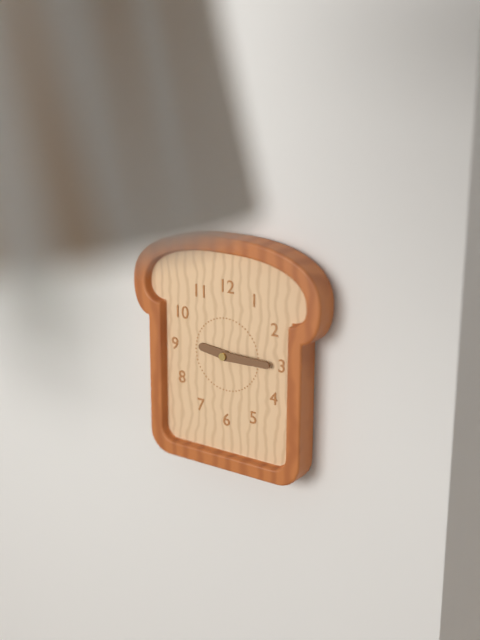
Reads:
h=9 m=15
